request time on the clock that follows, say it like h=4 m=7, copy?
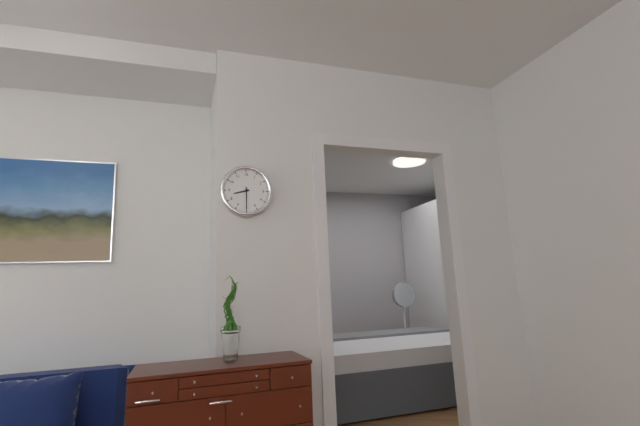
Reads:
h=8 m=30
